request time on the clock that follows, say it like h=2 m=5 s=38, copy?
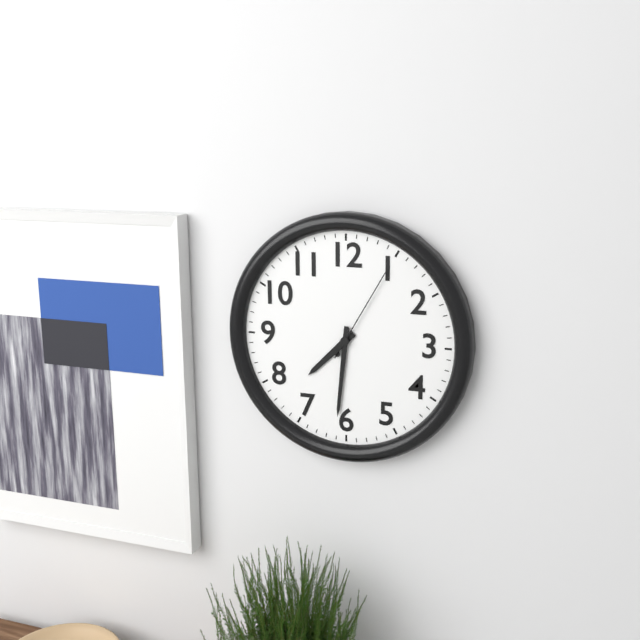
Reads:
h=7 m=31 s=5
